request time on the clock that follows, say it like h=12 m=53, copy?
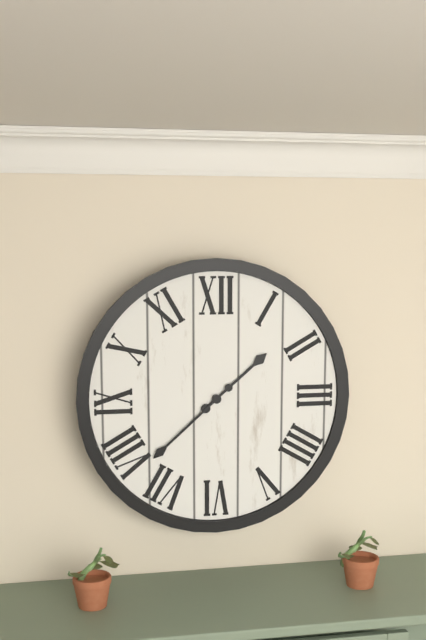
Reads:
h=1 m=38
